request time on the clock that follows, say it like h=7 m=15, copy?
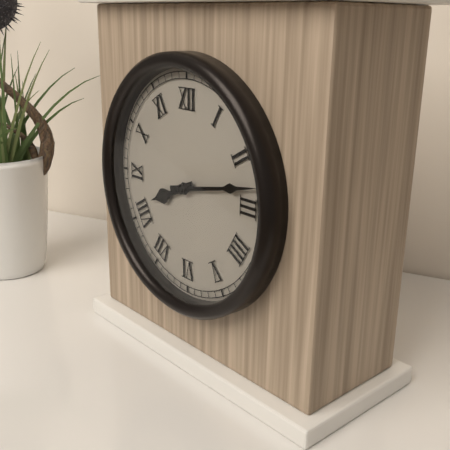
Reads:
h=8 m=13
